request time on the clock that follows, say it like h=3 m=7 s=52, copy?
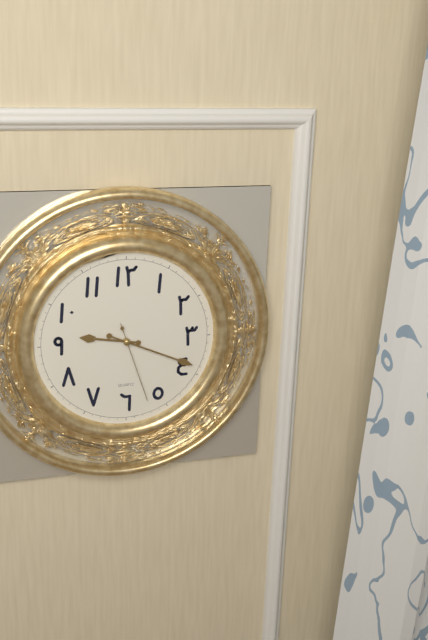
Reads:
h=9 m=19 s=27
